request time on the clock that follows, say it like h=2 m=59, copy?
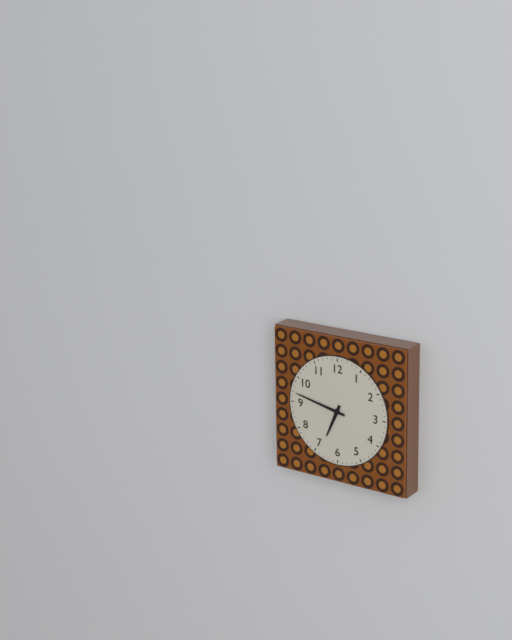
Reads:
h=6 m=47
